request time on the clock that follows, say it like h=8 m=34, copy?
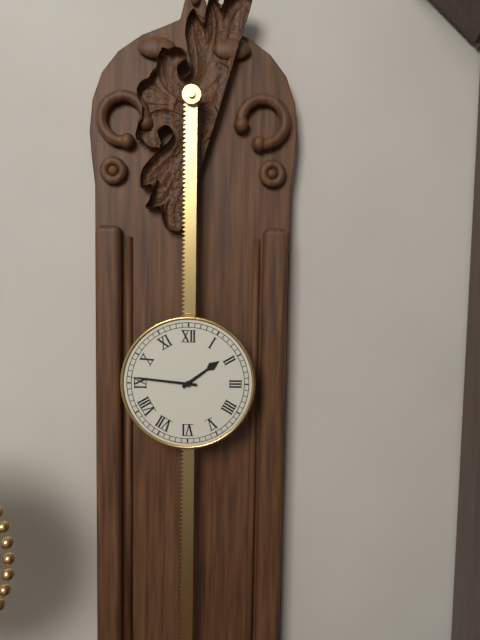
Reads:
h=1 m=46
